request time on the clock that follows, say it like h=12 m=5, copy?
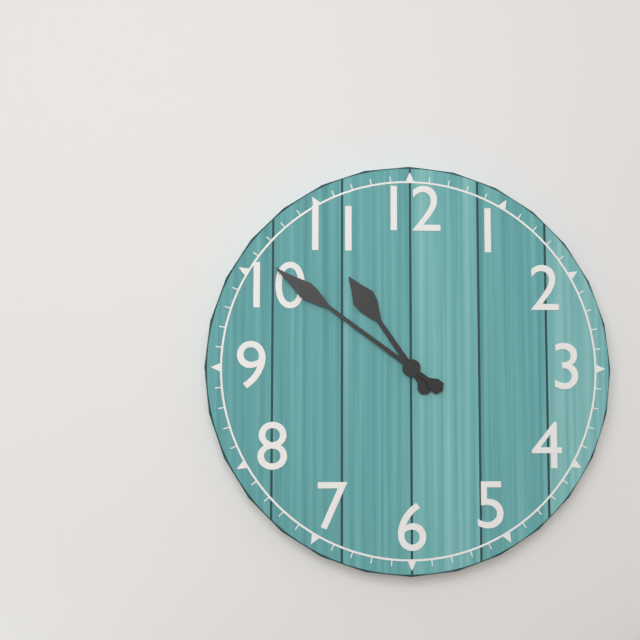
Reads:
h=10 m=51
